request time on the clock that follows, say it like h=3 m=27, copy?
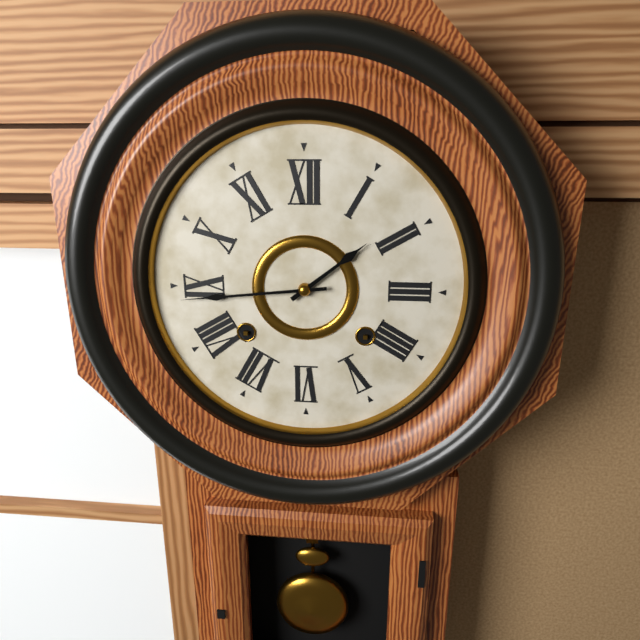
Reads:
h=1 m=44
